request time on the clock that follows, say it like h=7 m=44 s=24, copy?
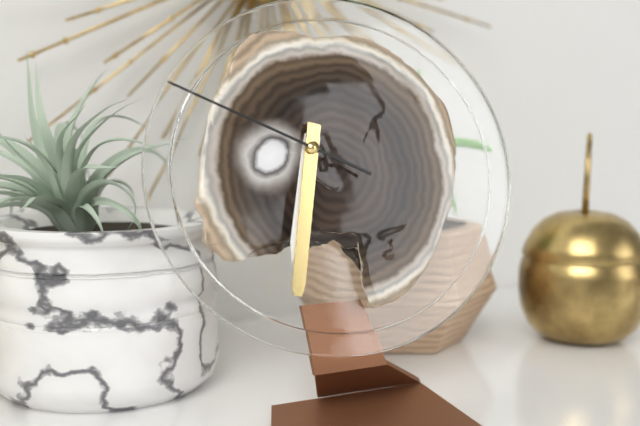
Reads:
h=6 m=32 s=49
